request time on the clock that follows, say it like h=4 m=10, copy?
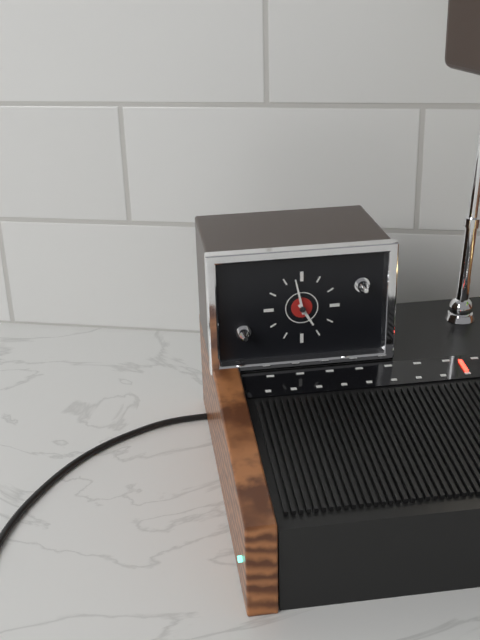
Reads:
h=4 m=58
